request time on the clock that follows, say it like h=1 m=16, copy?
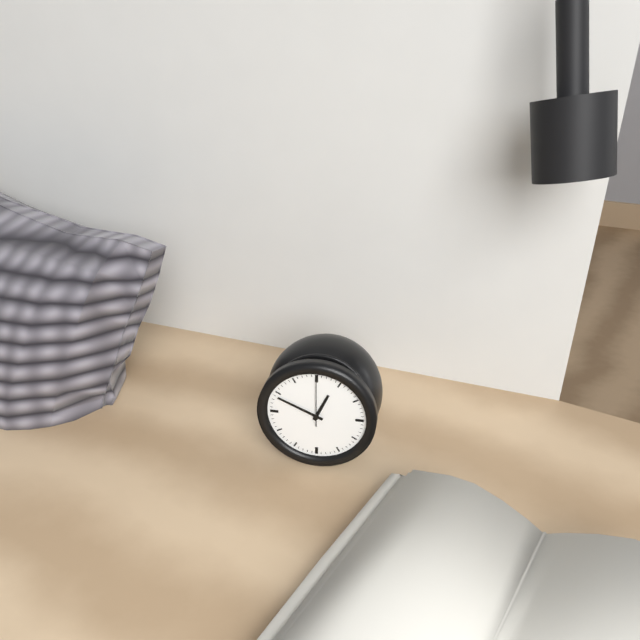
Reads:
h=12 m=49
